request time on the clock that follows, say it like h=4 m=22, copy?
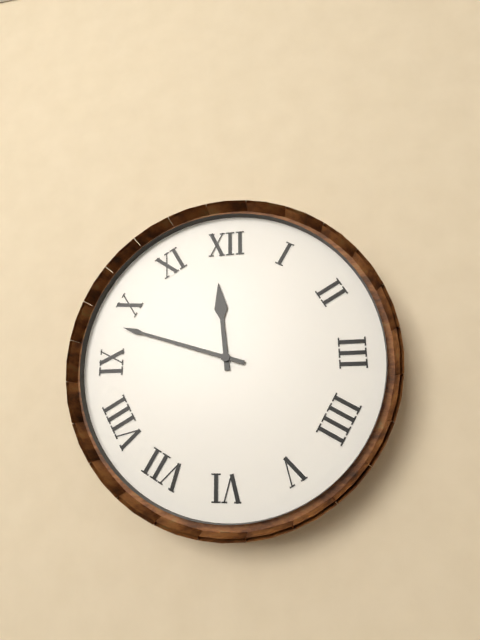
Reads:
h=11 m=48
